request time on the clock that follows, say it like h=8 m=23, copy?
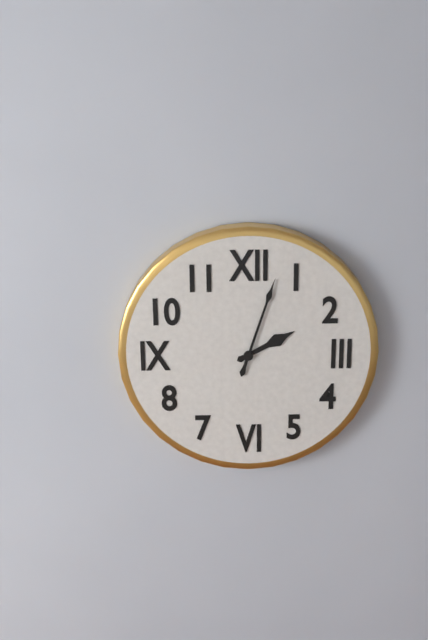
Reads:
h=2 m=3
